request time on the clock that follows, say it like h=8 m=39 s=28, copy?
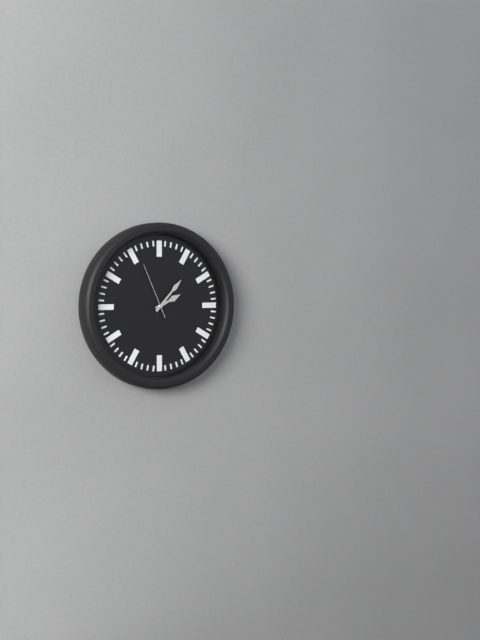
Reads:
h=2 m=7 s=56
